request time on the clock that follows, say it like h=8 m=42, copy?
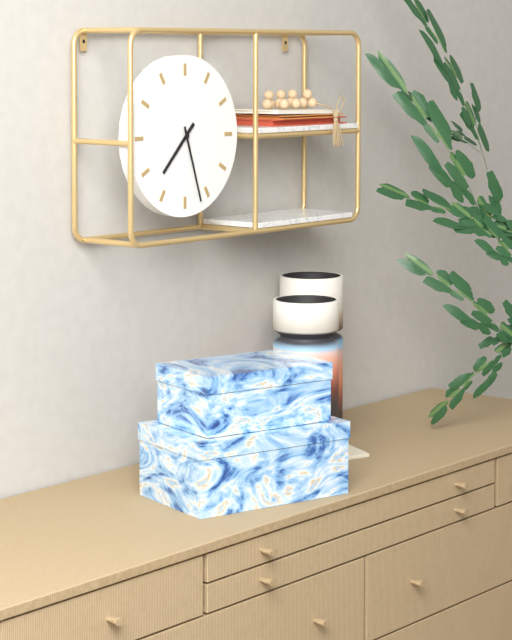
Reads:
h=7 m=27
